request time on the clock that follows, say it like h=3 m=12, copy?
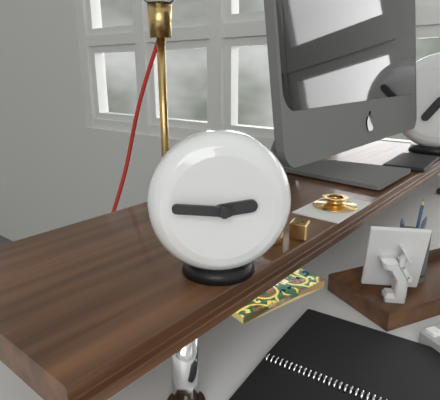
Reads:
h=2 m=46
